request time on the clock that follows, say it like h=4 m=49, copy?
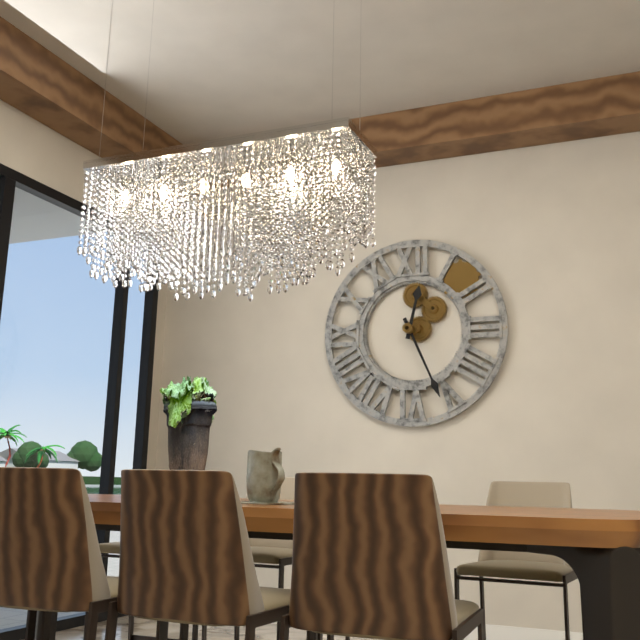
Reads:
h=12 m=26
